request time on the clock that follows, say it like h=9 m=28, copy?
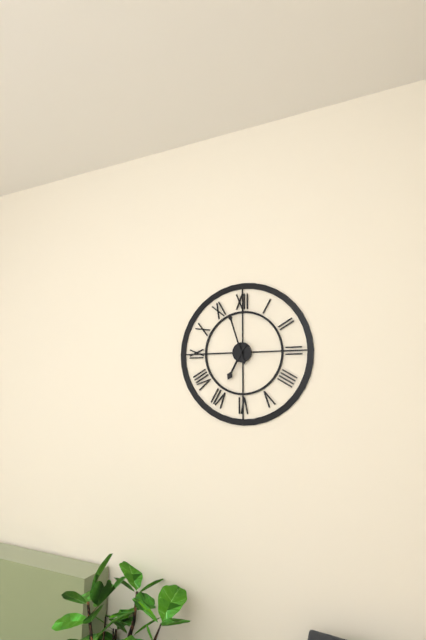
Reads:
h=6 m=57
